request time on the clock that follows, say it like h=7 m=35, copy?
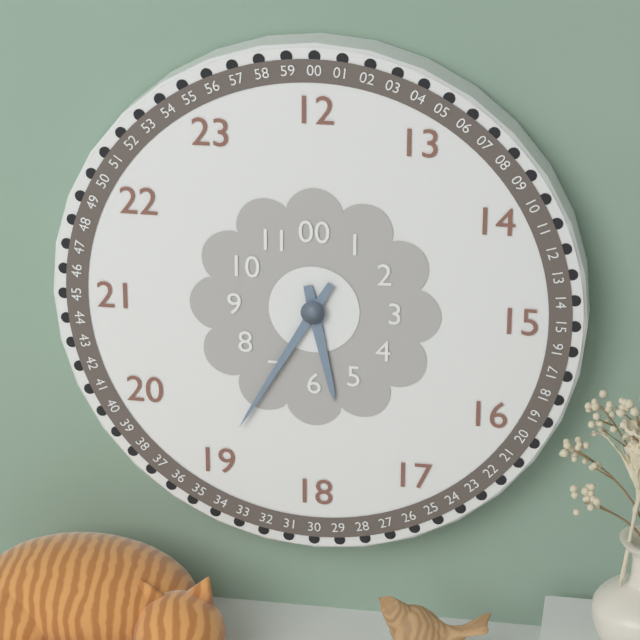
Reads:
h=5 m=35
